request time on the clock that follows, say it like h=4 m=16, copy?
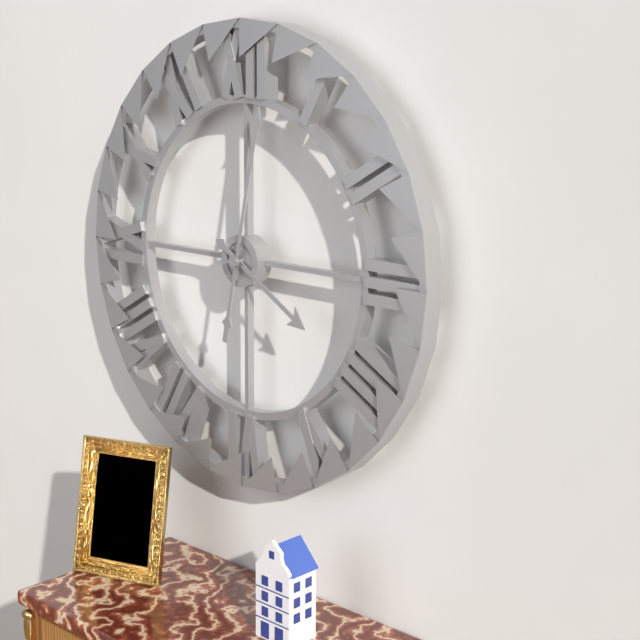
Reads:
h=4 m=2
